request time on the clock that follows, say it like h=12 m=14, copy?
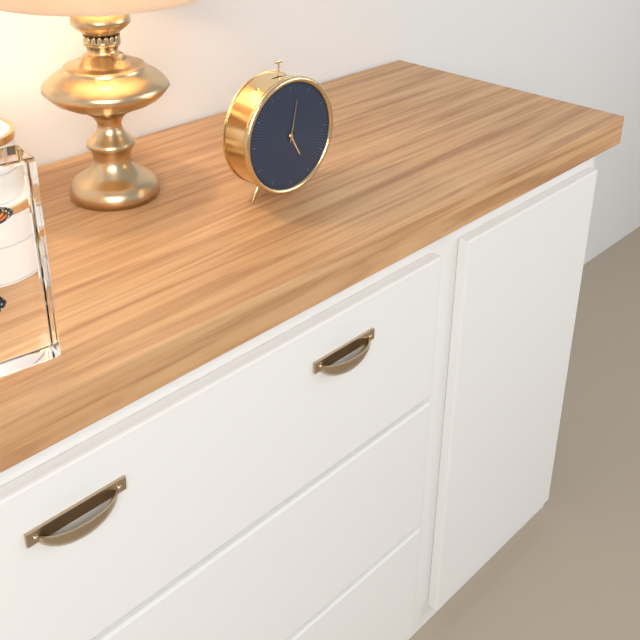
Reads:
h=5 m=2
